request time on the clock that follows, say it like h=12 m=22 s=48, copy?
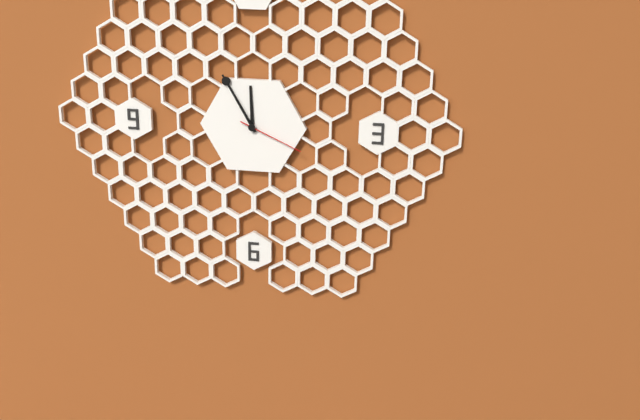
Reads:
h=11 m=55 s=19
